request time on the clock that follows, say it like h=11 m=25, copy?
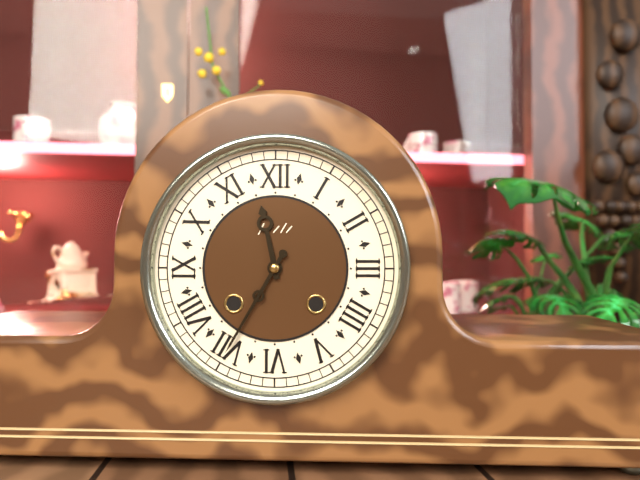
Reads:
h=11 m=35
